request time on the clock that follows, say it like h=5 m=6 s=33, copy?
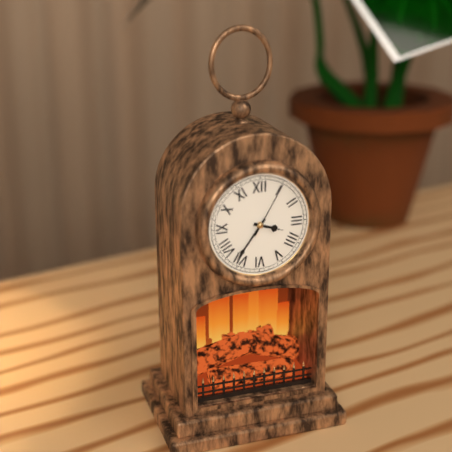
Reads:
h=3 m=36 s=5
